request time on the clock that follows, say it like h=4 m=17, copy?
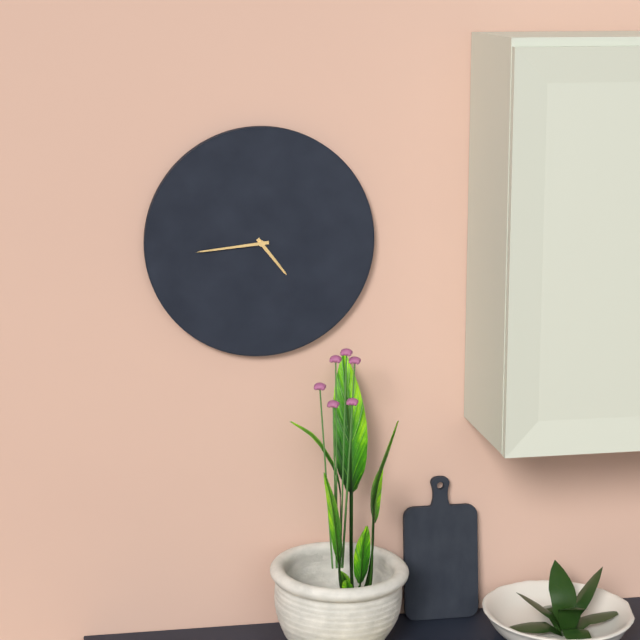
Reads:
h=4 m=44
